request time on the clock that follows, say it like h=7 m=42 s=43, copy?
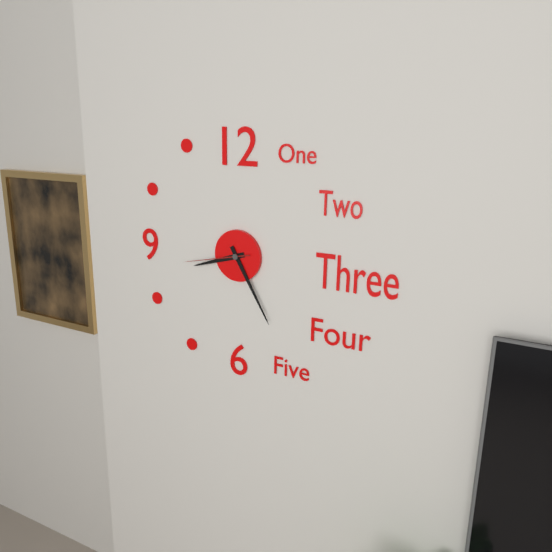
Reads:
h=8 m=25 s=43
